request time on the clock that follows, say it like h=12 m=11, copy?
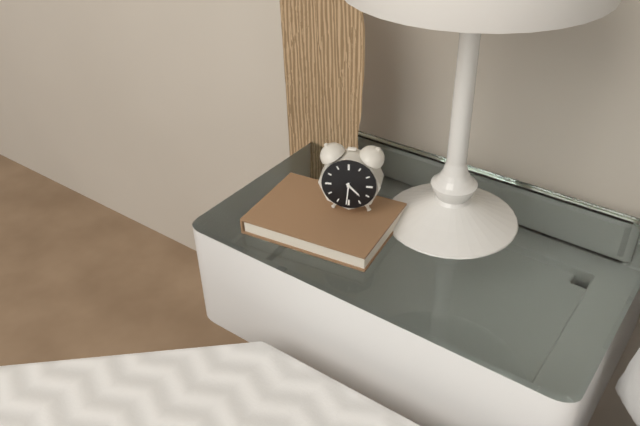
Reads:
h=4 m=31
